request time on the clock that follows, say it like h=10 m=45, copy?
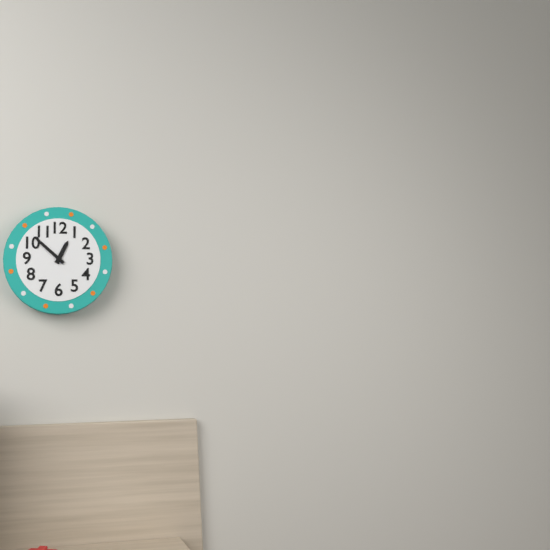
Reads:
h=12 m=52
